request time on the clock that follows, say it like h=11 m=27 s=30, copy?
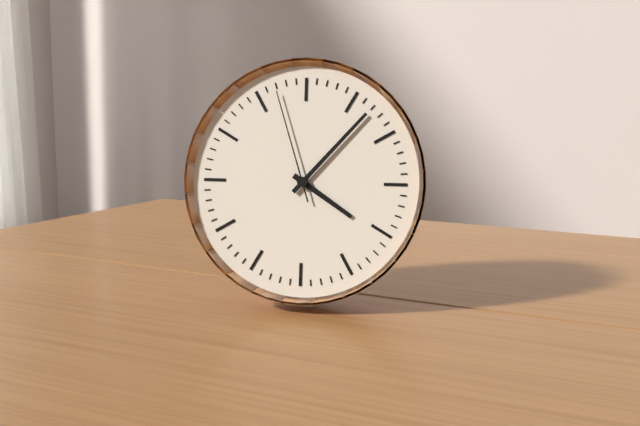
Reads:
h=4 m=7 s=57
